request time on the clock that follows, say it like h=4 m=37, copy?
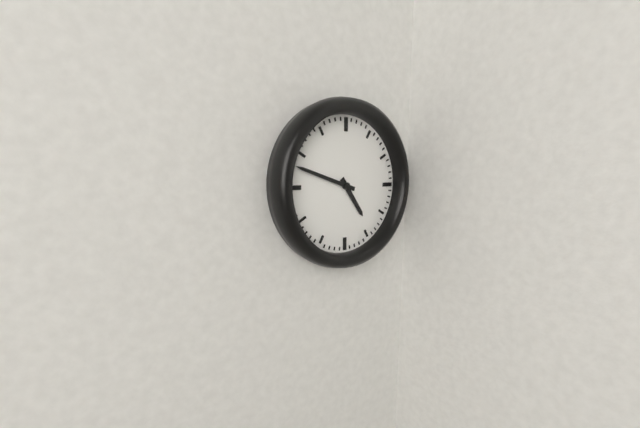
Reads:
h=4 m=48
